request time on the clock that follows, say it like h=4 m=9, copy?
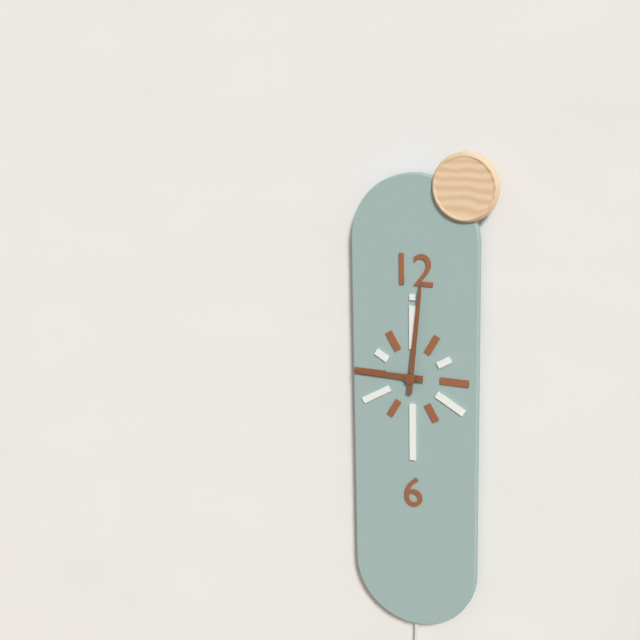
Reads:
h=9 m=1
